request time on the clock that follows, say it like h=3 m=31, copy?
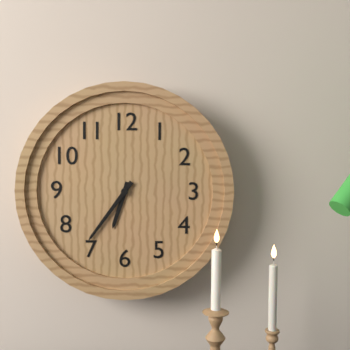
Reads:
h=6 m=36
